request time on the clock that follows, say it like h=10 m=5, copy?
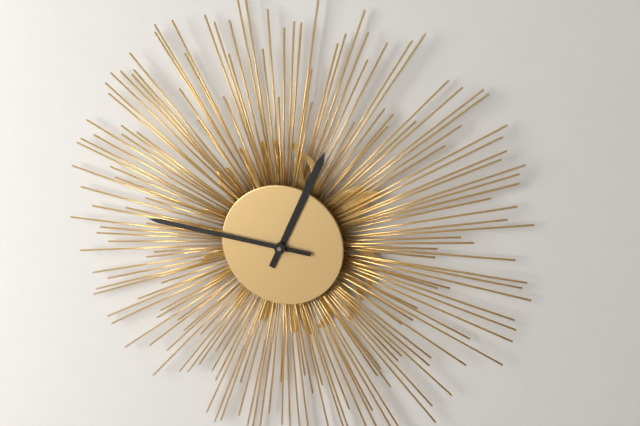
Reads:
h=12 m=46
